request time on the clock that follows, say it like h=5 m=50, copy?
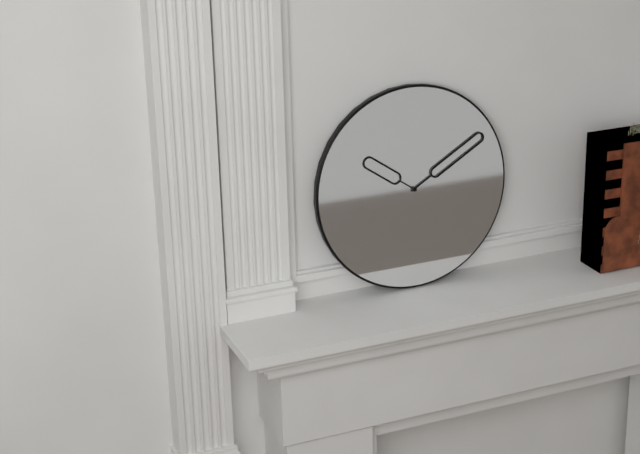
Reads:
h=10 m=10
